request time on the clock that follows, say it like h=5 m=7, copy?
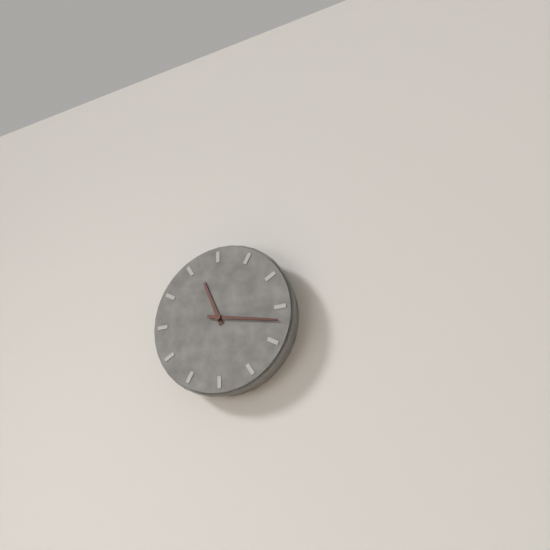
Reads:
h=11 m=17
